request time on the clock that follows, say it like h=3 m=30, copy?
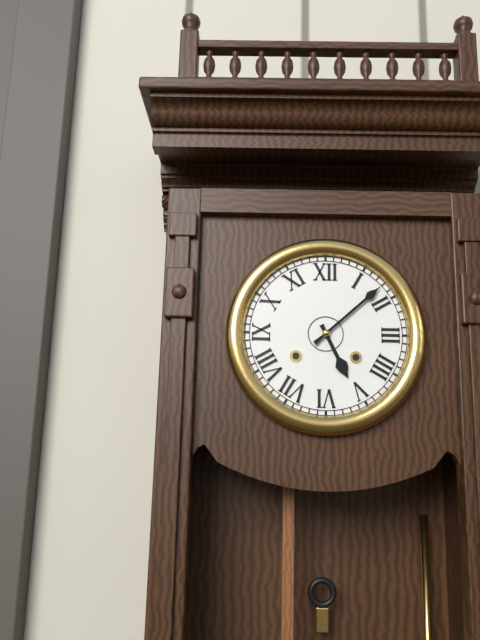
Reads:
h=5 m=8
